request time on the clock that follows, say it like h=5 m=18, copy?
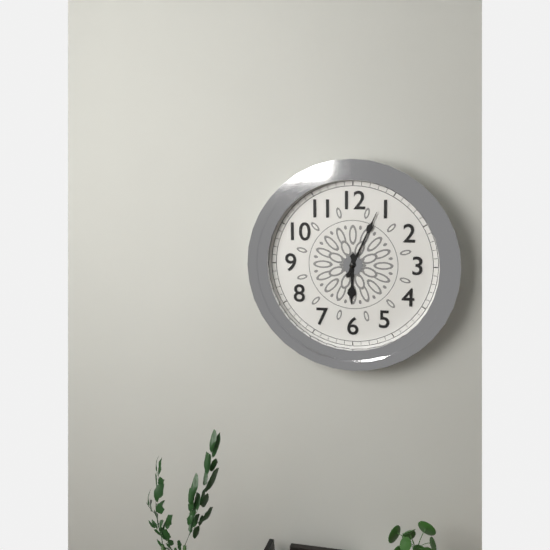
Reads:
h=6 m=4
